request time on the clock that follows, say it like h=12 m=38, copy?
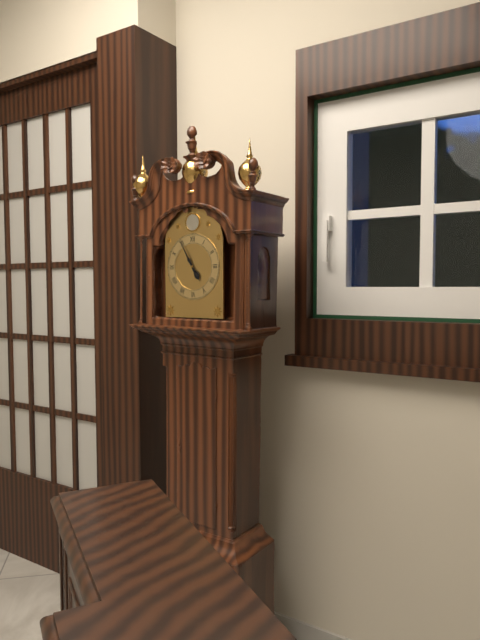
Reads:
h=4 m=55
